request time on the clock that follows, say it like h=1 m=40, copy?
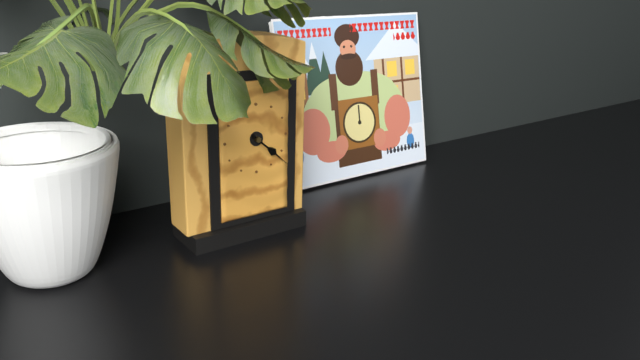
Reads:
h=4 m=22
